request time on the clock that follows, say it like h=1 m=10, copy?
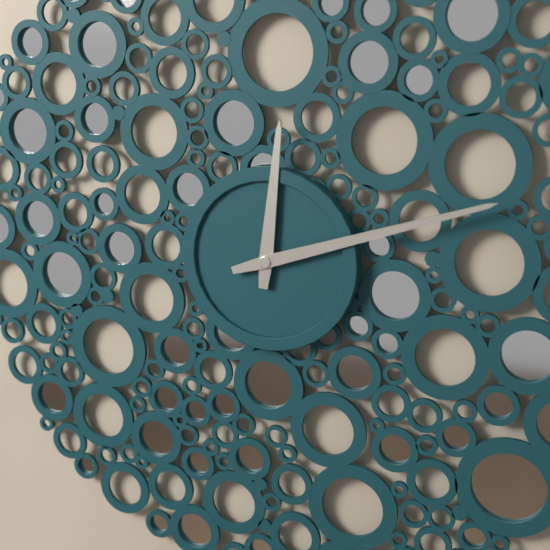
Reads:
h=12 m=12
